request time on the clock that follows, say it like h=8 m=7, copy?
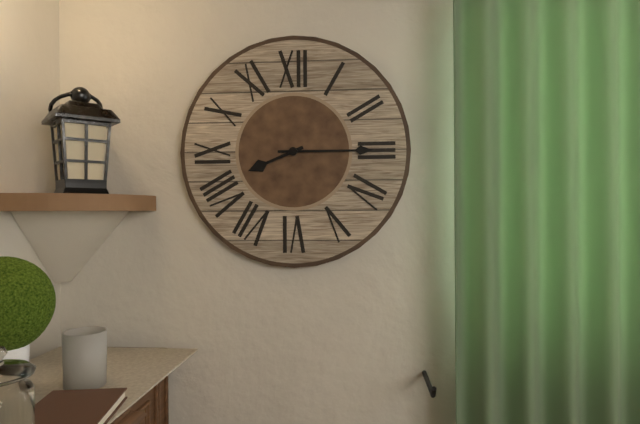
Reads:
h=8 m=15
